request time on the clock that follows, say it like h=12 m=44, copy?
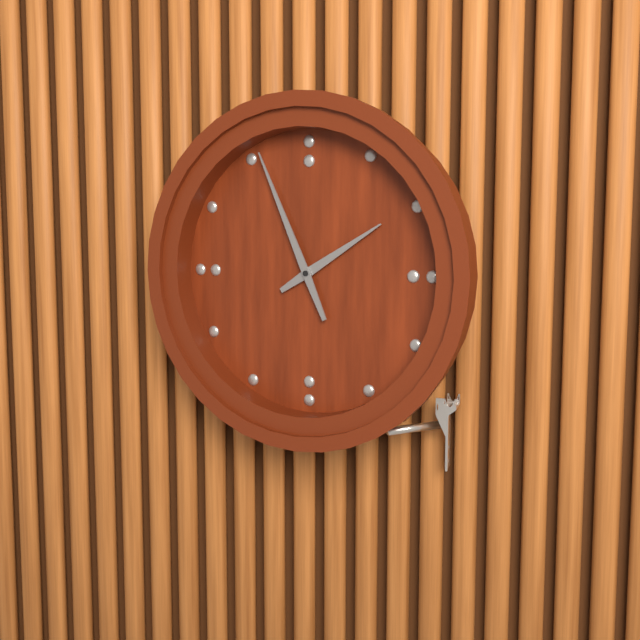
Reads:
h=1 m=56
